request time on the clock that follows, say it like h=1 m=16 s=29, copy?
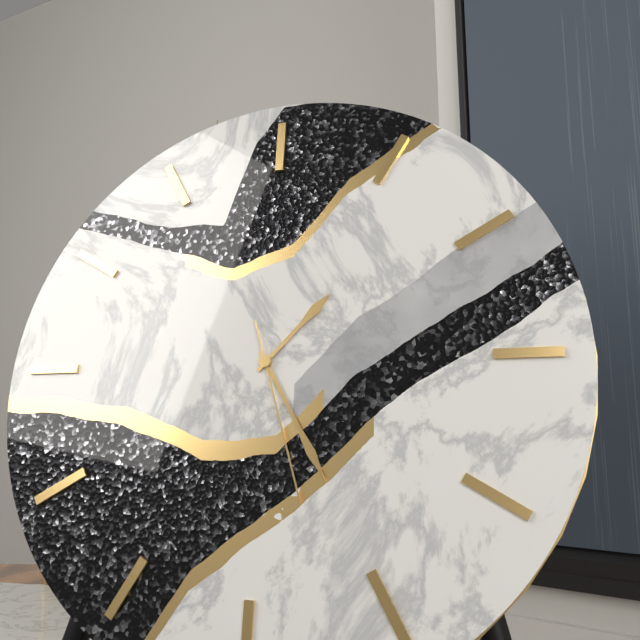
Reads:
h=1 m=25 s=27
